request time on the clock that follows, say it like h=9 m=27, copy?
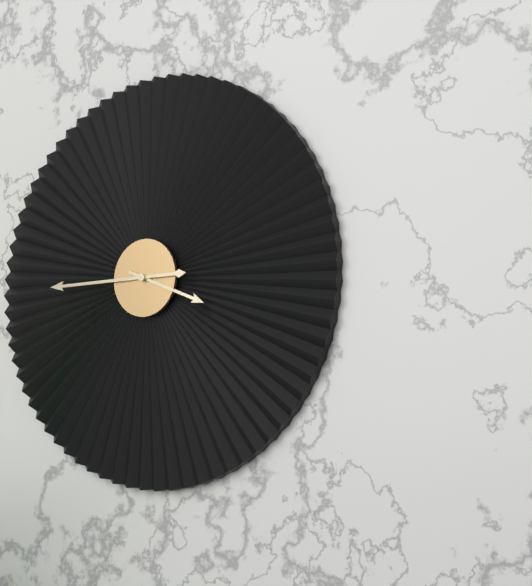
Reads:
h=3 m=45
